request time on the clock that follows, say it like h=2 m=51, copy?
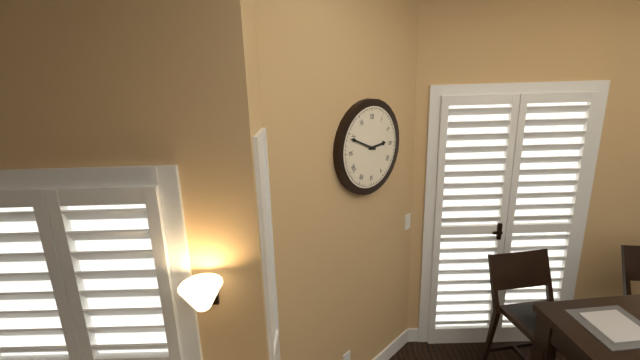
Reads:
h=2 m=49
